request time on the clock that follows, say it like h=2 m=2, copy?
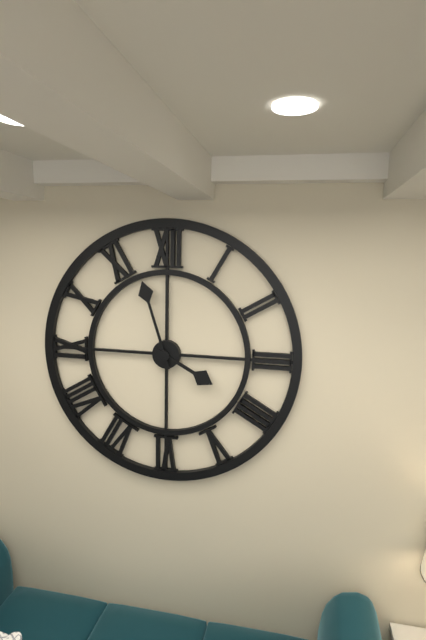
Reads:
h=3 m=57
